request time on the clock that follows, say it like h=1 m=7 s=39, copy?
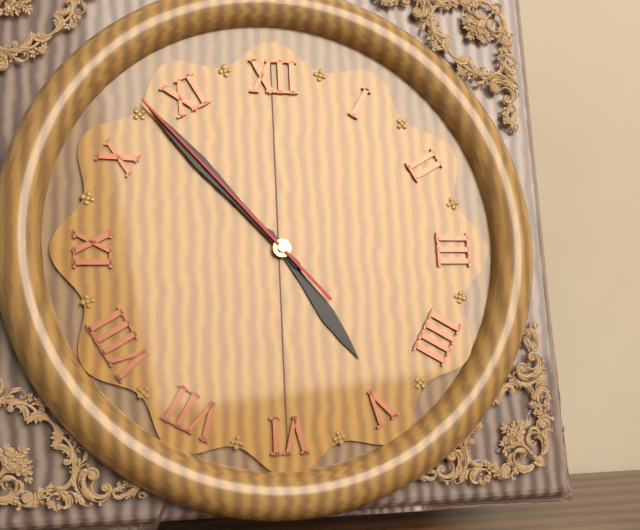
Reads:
h=4 m=53 s=53
